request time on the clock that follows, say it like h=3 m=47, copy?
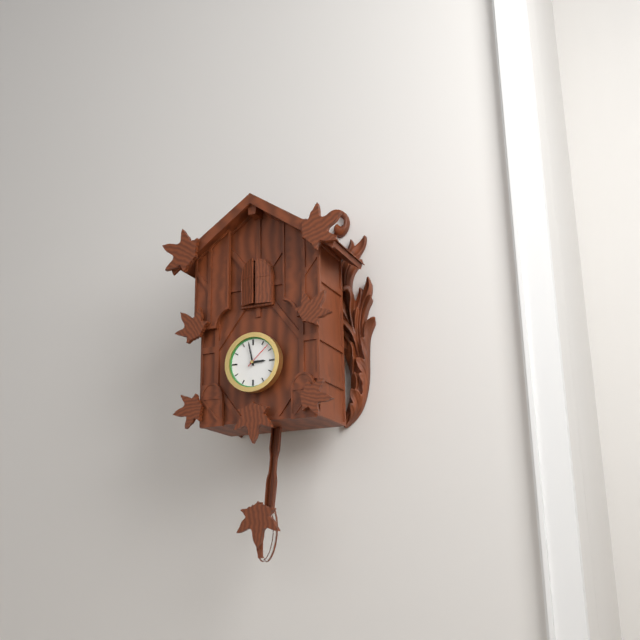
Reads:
h=2 m=58
